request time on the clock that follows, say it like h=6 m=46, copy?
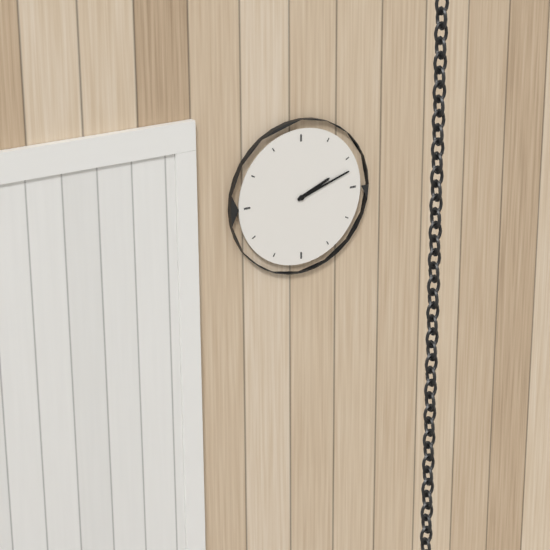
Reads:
h=2 m=12
